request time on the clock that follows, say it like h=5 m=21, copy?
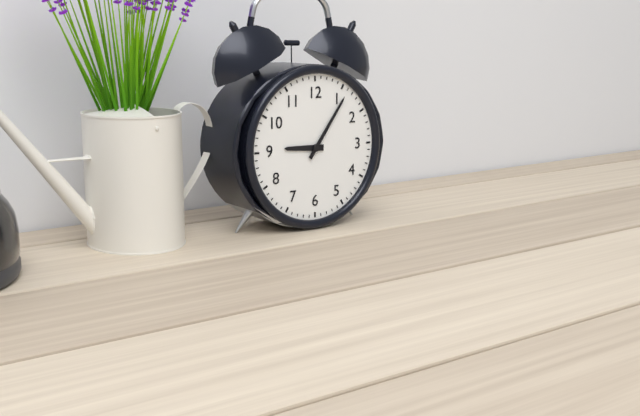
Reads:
h=9 m=6
